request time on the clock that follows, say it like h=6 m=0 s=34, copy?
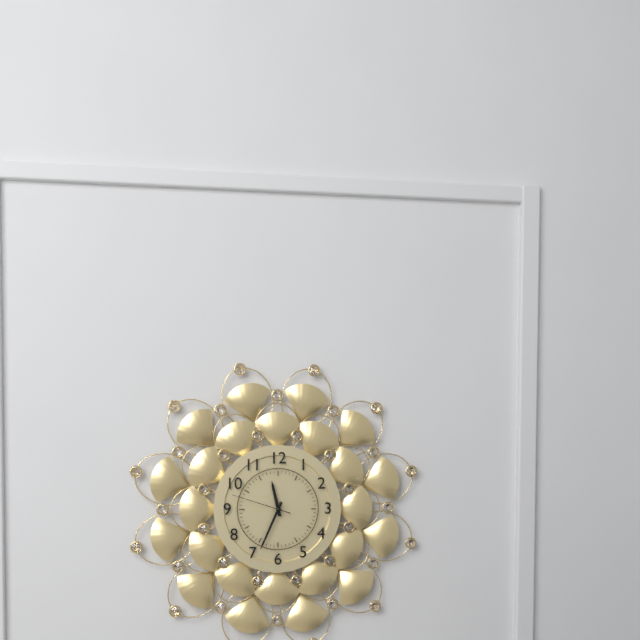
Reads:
h=11 m=34 s=48
